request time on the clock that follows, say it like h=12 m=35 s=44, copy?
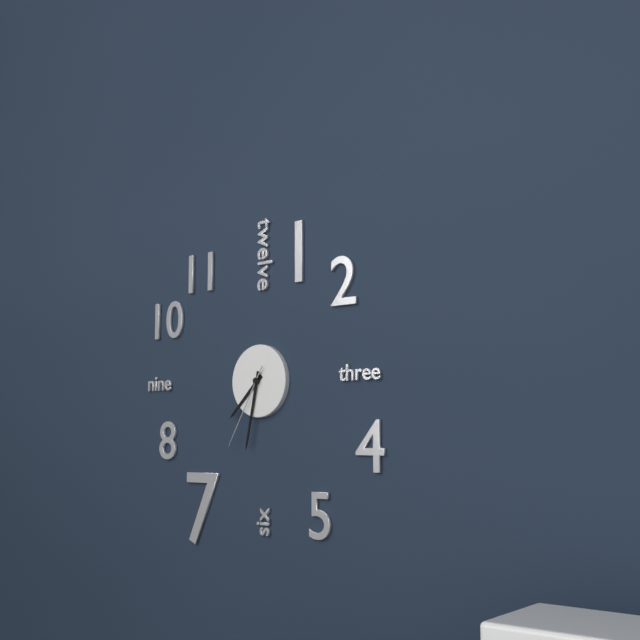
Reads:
h=7 m=32 s=35
